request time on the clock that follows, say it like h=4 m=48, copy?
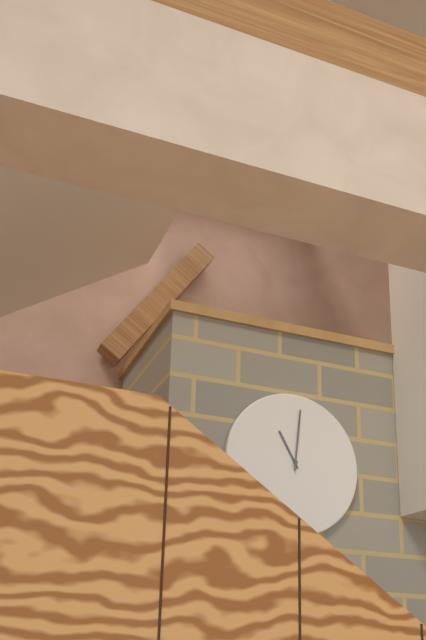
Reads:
h=11 m=1
